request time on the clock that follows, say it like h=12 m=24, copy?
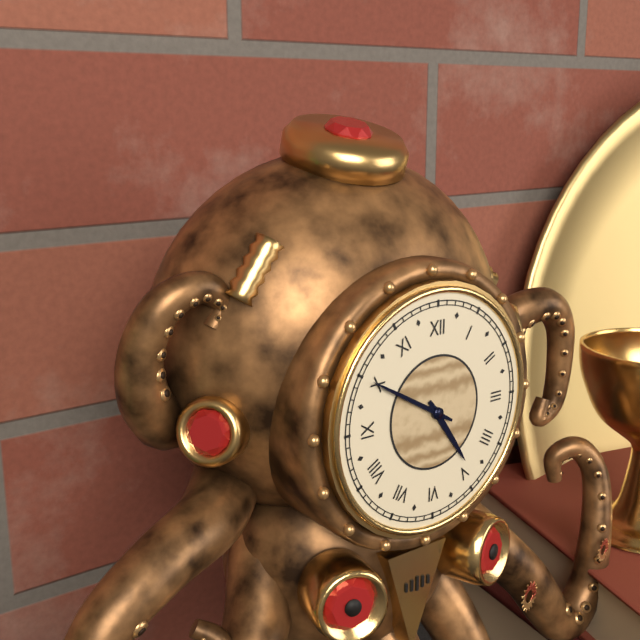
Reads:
h=4 m=50
